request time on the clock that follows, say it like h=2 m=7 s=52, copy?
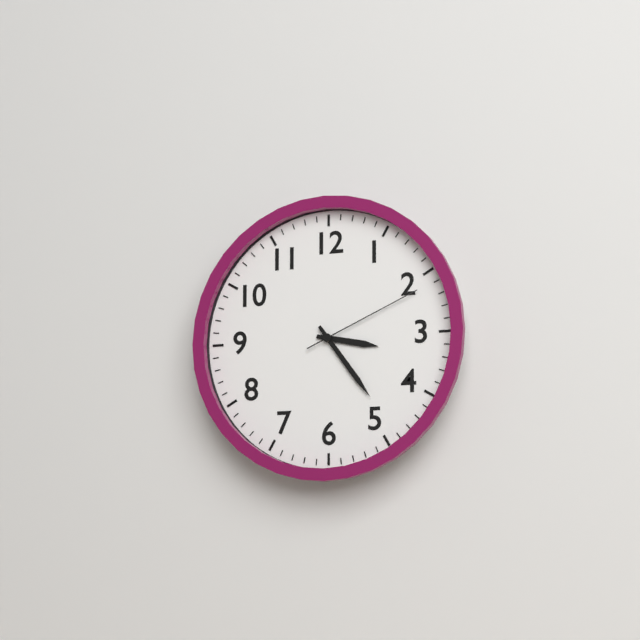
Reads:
h=3 m=24 s=11
